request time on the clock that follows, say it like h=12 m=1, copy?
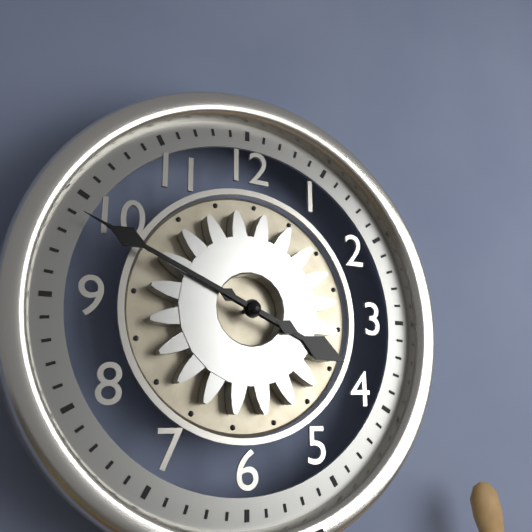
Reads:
h=3 m=49
